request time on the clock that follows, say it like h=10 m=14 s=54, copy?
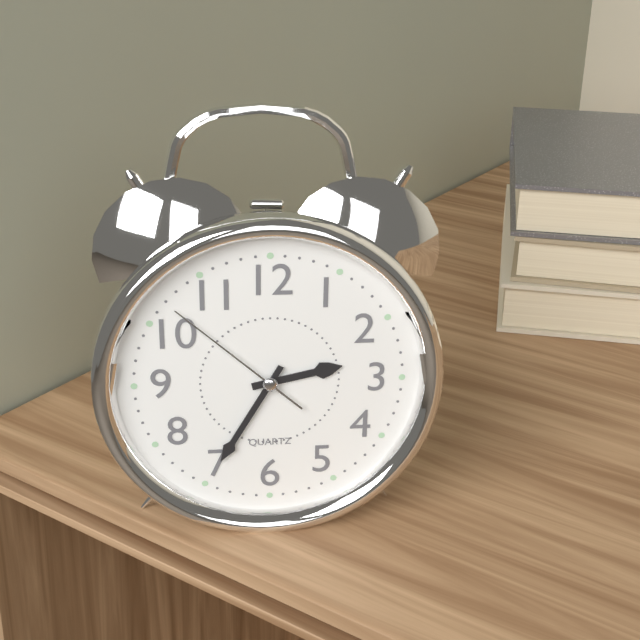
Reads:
h=2 m=35 s=52
